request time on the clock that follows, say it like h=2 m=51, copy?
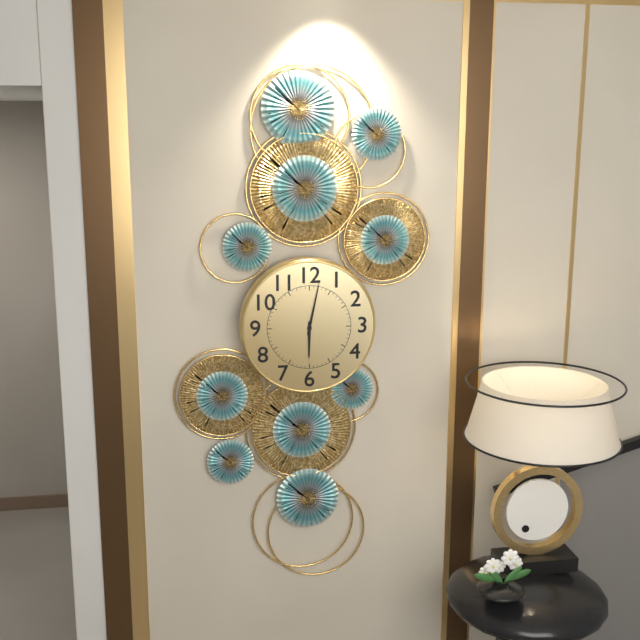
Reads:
h=6 m=2
